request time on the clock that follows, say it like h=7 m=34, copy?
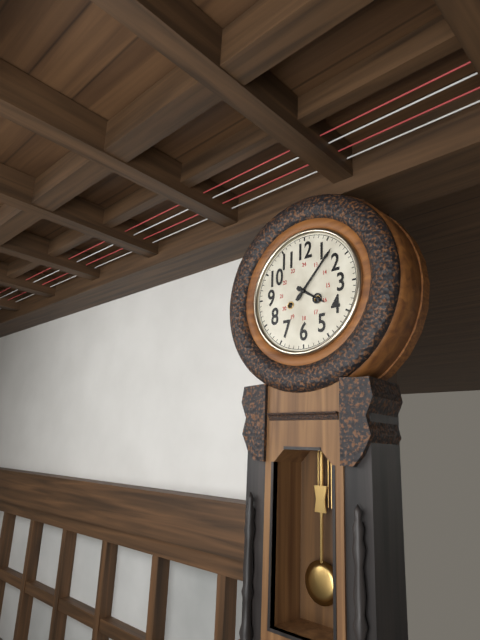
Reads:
h=4 m=7
